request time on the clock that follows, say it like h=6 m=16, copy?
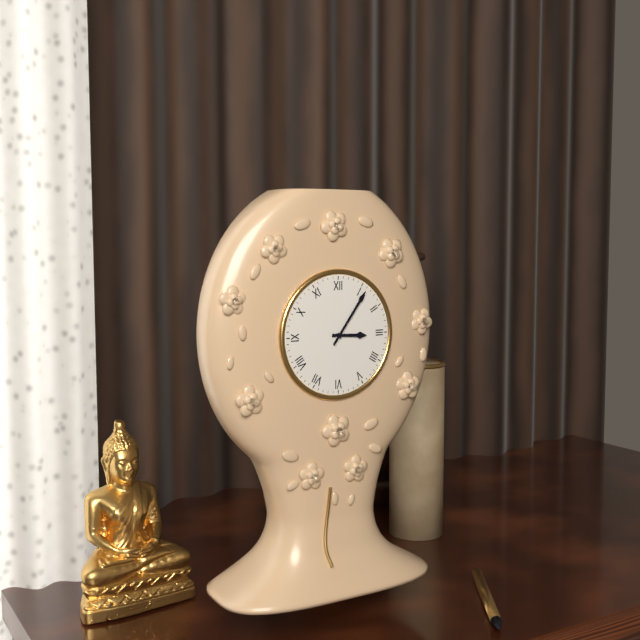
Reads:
h=3 m=6
